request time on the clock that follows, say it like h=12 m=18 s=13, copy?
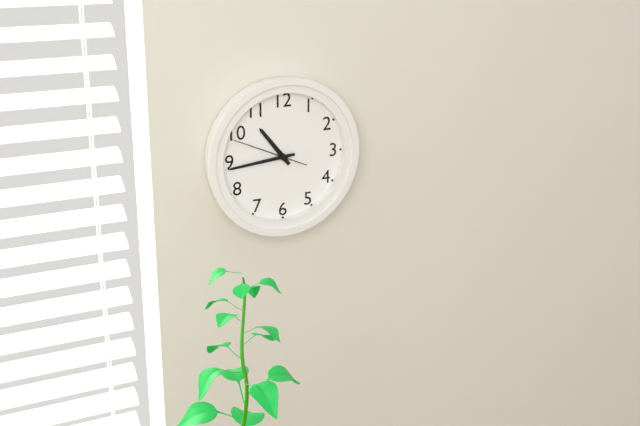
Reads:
h=10 m=44 s=49
